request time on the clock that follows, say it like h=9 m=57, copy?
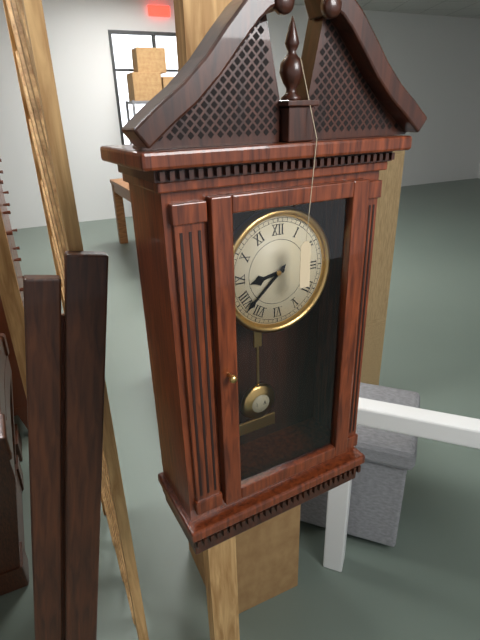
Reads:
h=8 m=38
